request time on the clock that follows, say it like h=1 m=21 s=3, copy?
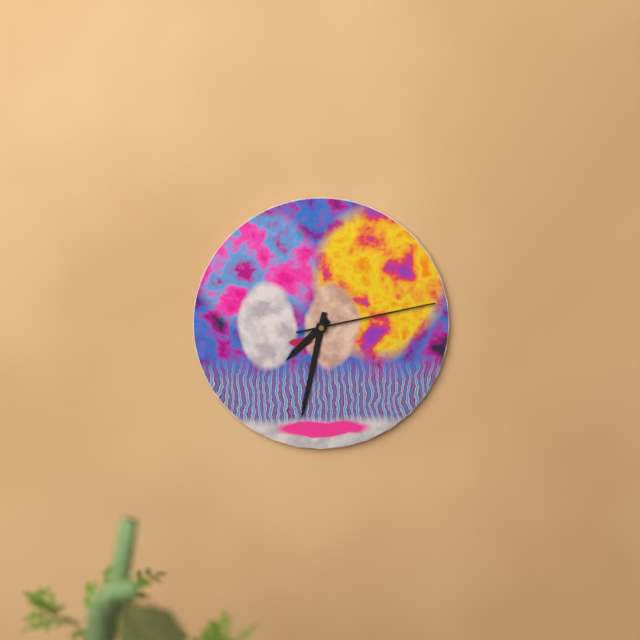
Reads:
h=7 m=32 s=13
